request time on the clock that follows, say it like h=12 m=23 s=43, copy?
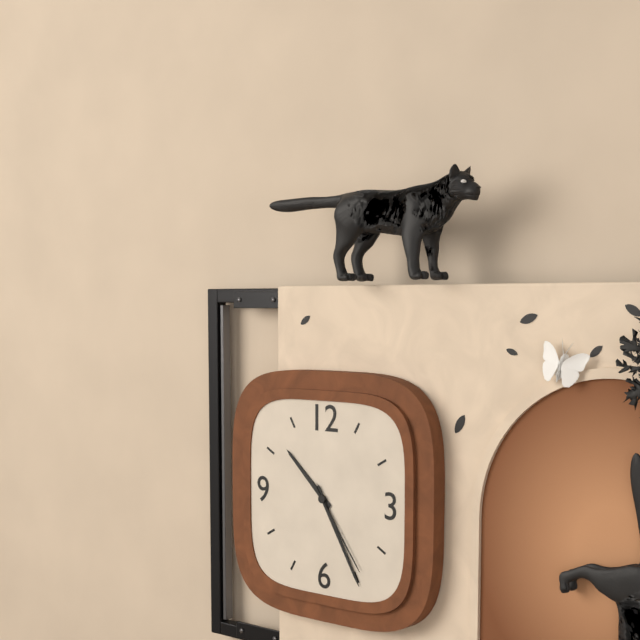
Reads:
h=10 m=25 s=24
